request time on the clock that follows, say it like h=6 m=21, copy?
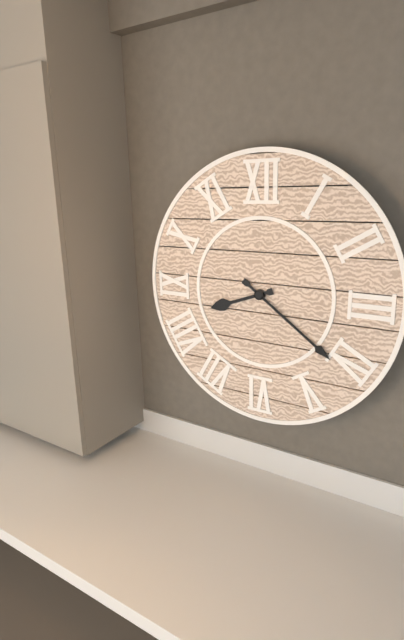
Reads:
h=8 m=21
